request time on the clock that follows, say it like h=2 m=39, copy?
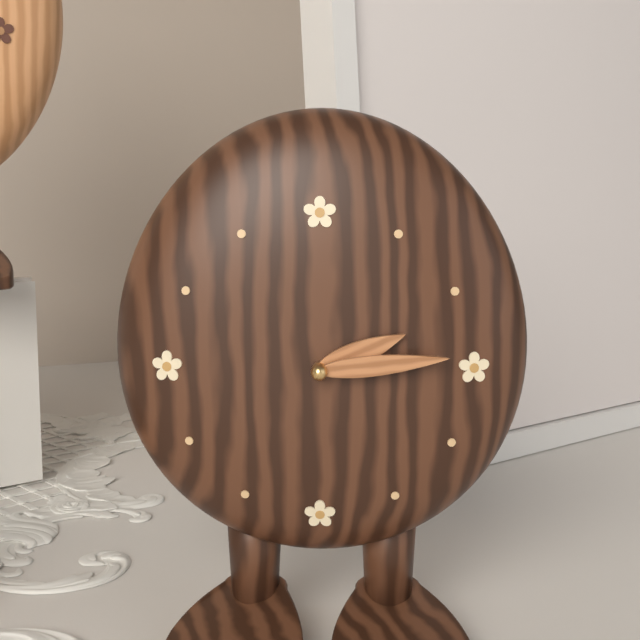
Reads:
h=2 m=14
